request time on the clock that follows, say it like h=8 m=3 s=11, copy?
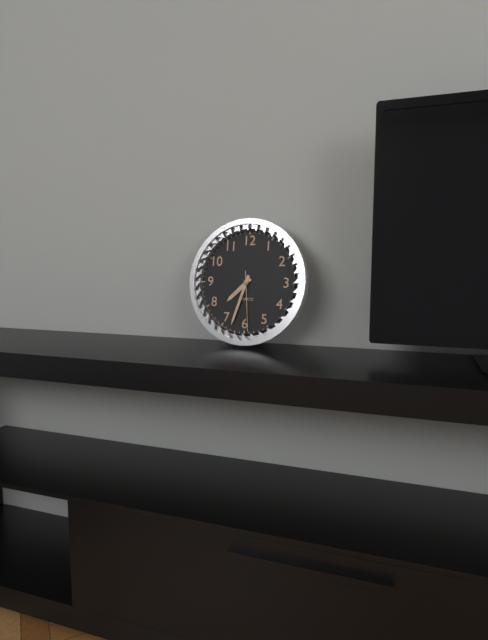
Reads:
h=7 m=33 s=29
